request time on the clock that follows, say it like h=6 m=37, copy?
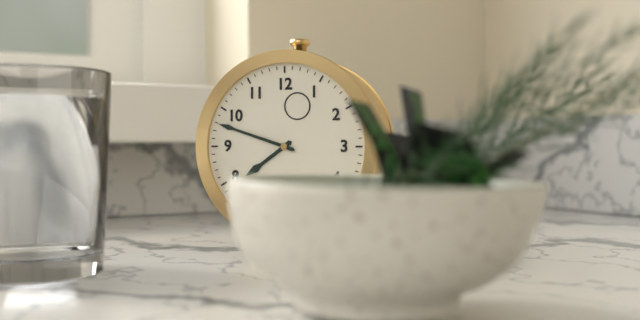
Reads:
h=7 m=48
